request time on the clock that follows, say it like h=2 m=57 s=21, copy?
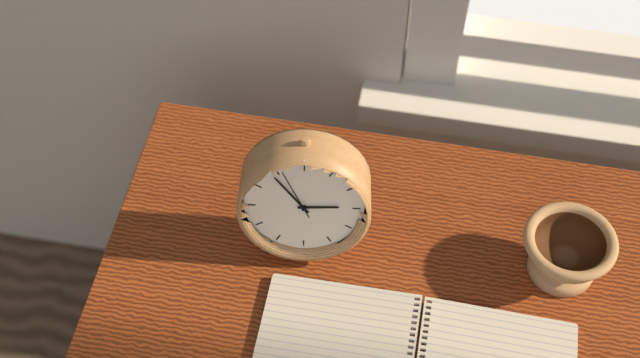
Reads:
h=2 m=54 s=56
